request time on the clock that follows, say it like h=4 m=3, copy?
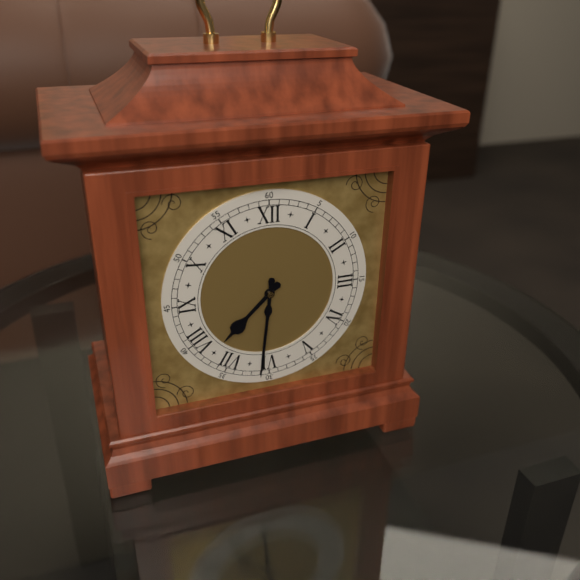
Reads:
h=7 m=31
